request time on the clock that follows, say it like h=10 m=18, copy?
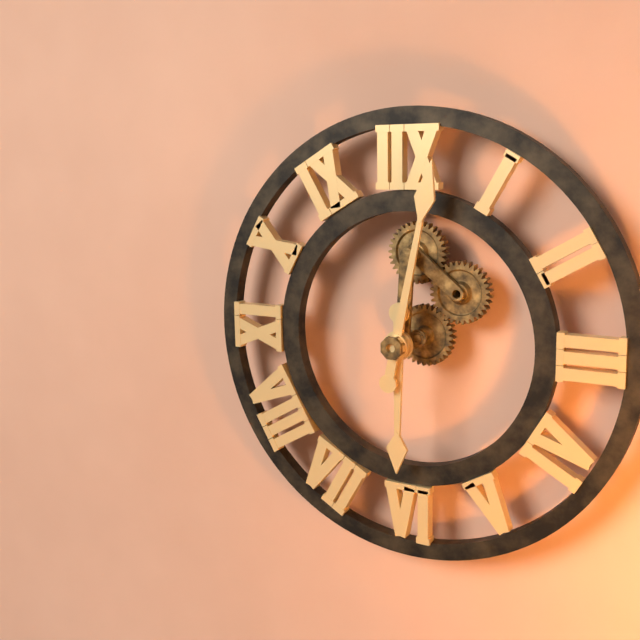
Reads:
h=6 m=2
